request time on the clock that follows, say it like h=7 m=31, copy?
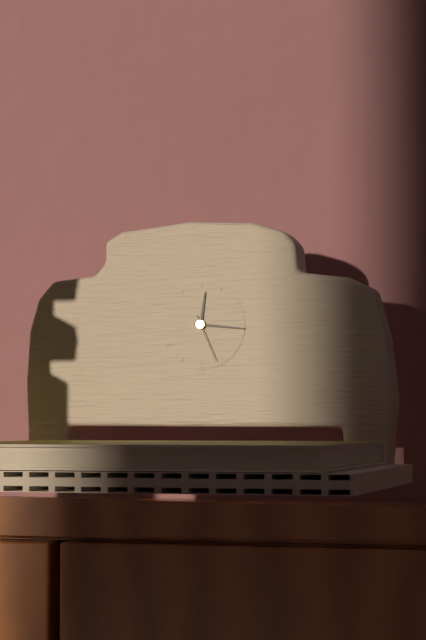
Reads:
h=12 m=16
